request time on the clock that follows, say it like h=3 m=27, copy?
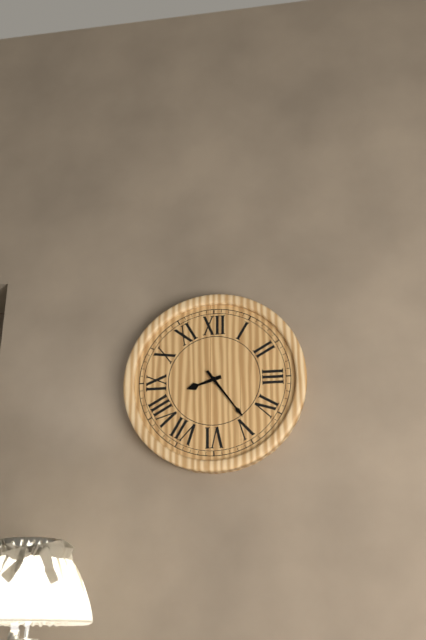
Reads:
h=8 m=24
